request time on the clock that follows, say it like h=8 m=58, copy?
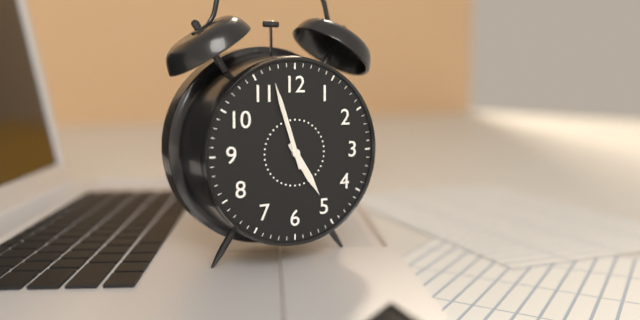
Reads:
h=4 m=57
